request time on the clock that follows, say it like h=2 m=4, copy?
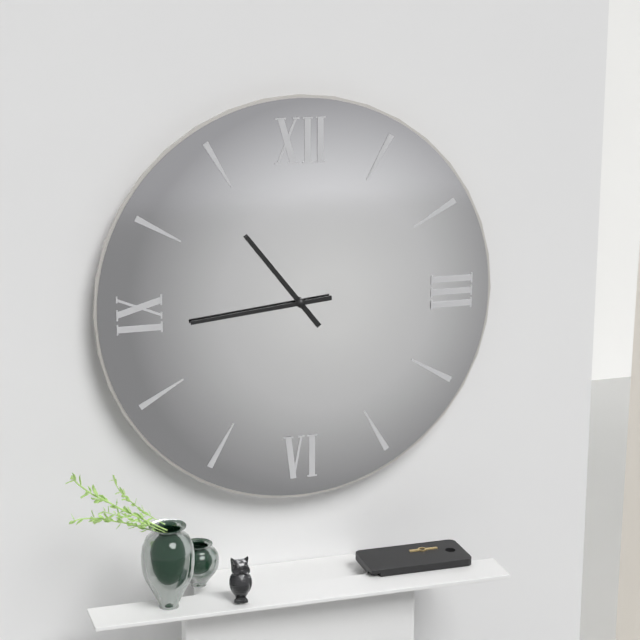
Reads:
h=10 m=44
